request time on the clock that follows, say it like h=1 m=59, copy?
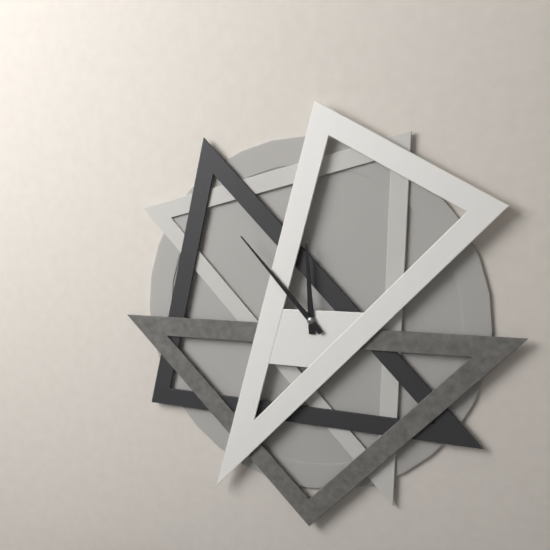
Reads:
h=11 m=53
